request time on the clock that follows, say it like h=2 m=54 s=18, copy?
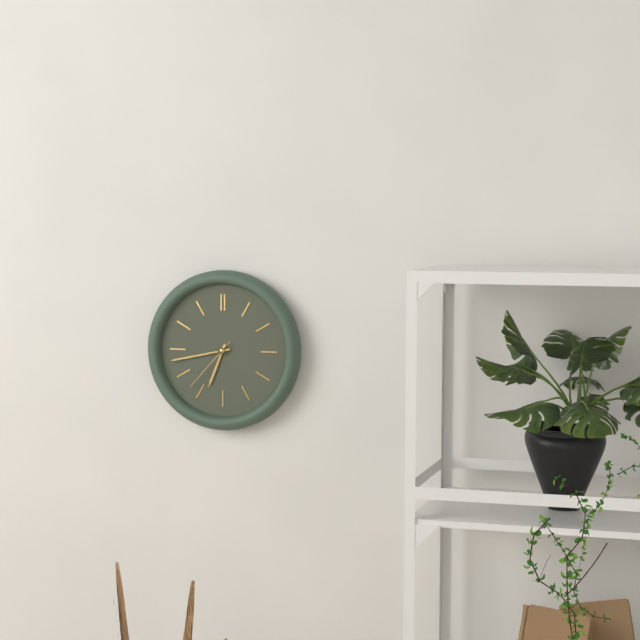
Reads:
h=6 m=43 s=37
